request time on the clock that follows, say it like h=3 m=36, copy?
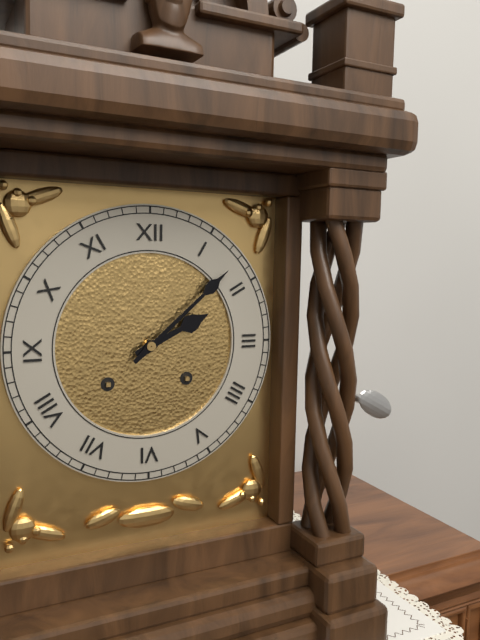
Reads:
h=2 m=8
